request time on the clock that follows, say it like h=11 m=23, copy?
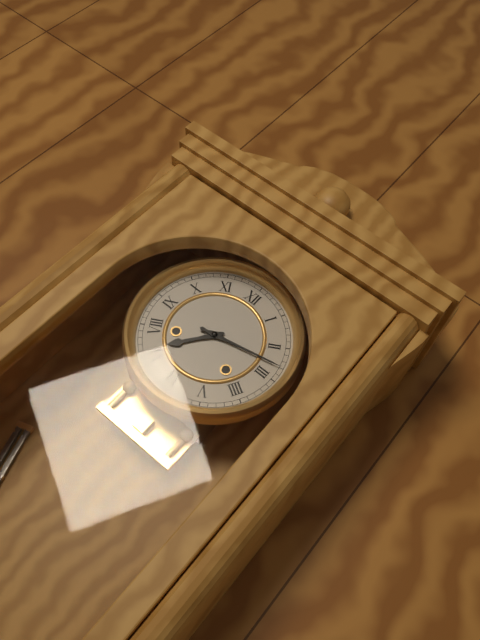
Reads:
h=7 m=13
